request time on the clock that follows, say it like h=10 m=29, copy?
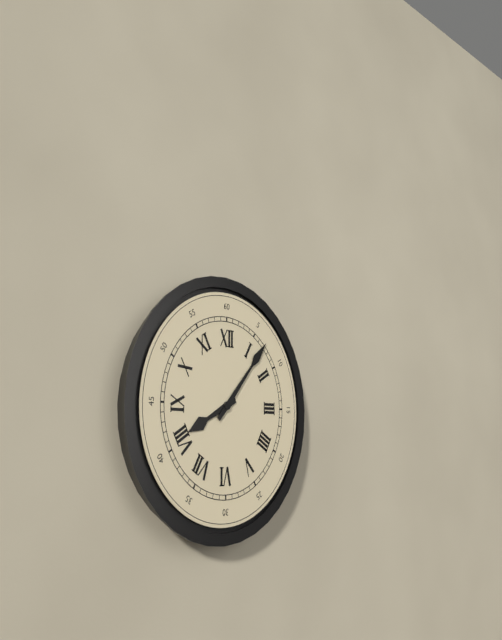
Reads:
h=8 m=7
